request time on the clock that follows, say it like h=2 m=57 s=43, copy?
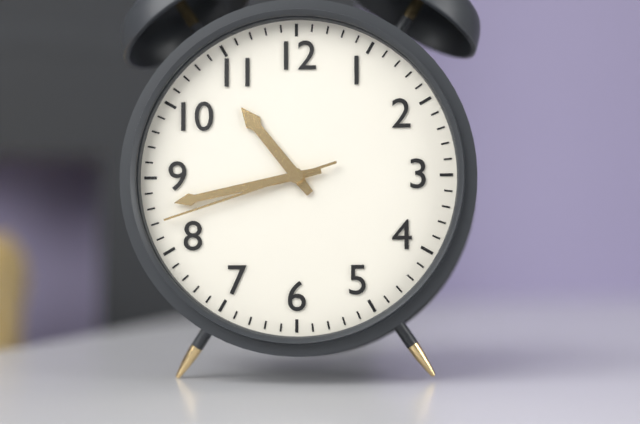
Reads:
h=10 m=43 s=42
